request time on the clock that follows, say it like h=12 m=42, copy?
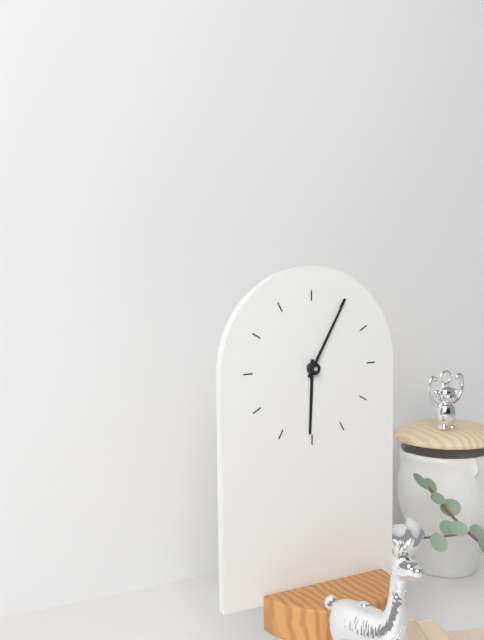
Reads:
h=6 m=5
